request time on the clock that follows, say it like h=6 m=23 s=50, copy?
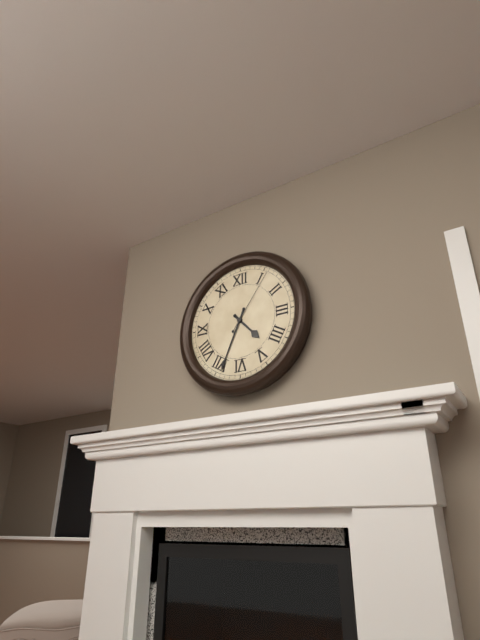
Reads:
h=4 m=34 s=6
